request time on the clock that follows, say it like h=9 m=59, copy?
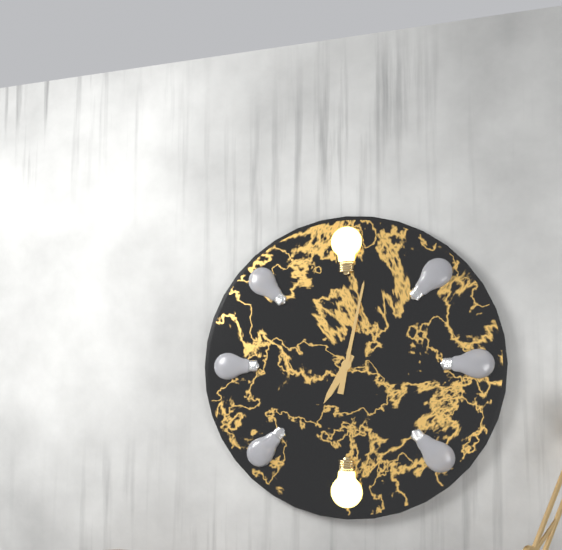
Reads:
h=7 m=2
